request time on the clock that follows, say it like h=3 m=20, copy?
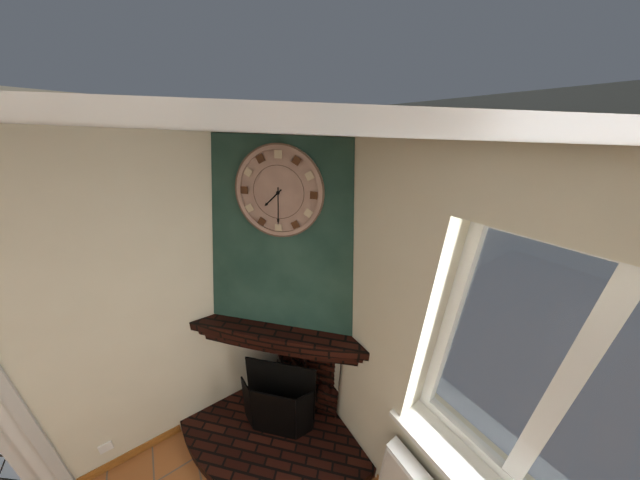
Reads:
h=7 m=30
